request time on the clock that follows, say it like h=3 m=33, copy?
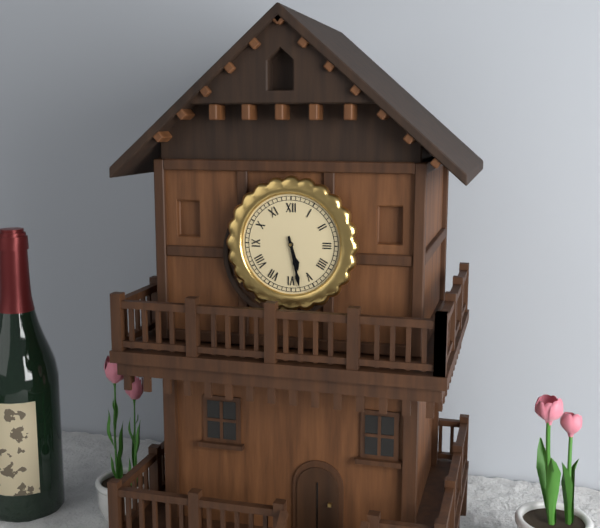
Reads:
h=5 m=28
